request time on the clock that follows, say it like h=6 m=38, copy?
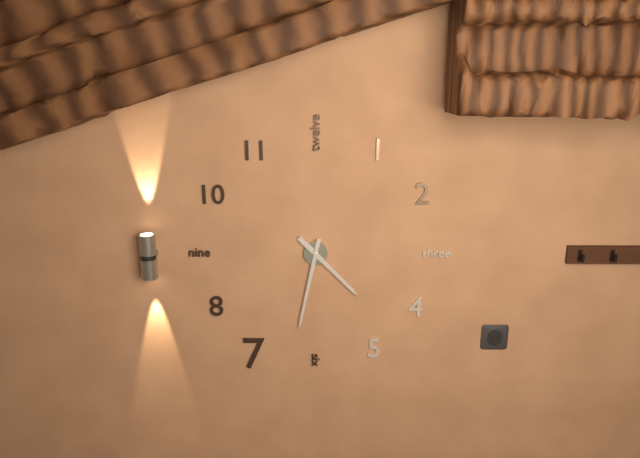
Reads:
h=4 m=32
